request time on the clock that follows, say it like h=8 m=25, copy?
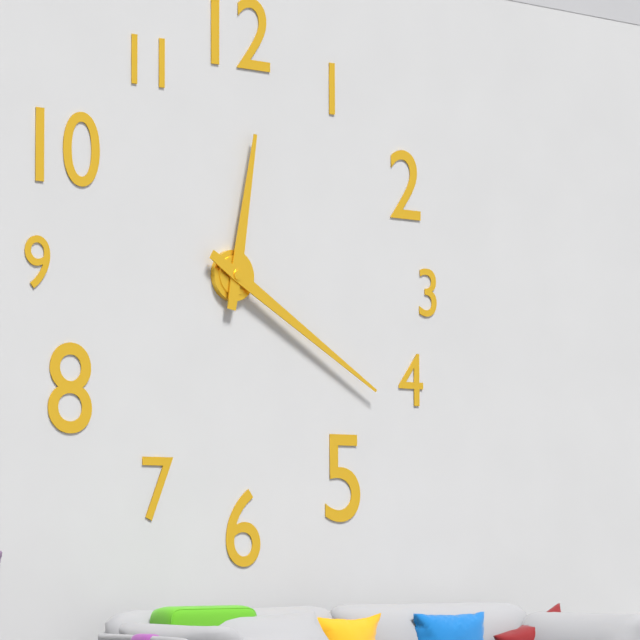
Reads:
h=12 m=20
